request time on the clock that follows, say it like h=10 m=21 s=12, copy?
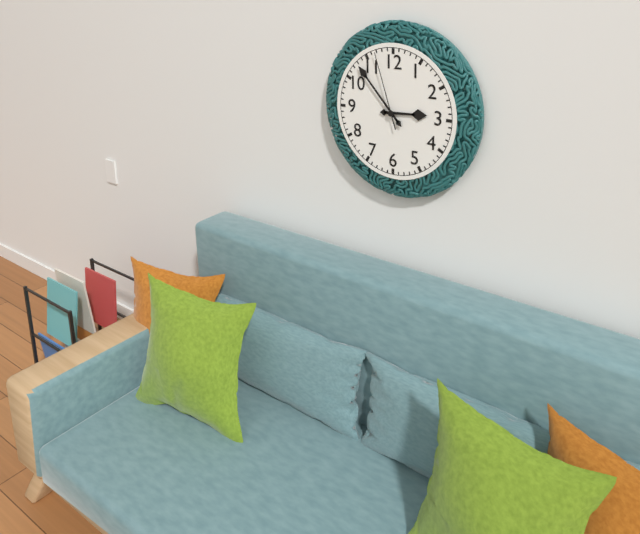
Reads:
h=2 m=53 s=57
